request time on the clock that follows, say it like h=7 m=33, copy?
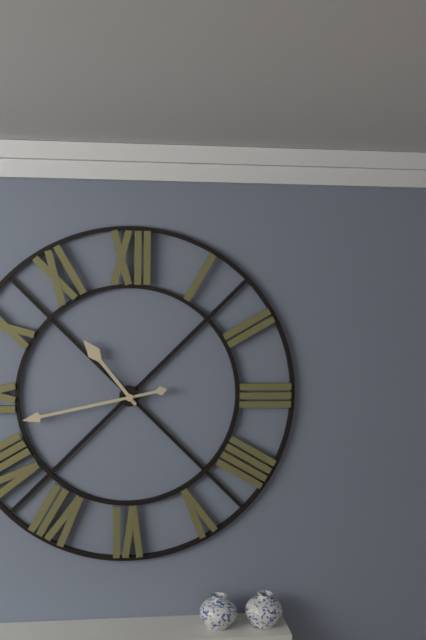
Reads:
h=10 m=43
